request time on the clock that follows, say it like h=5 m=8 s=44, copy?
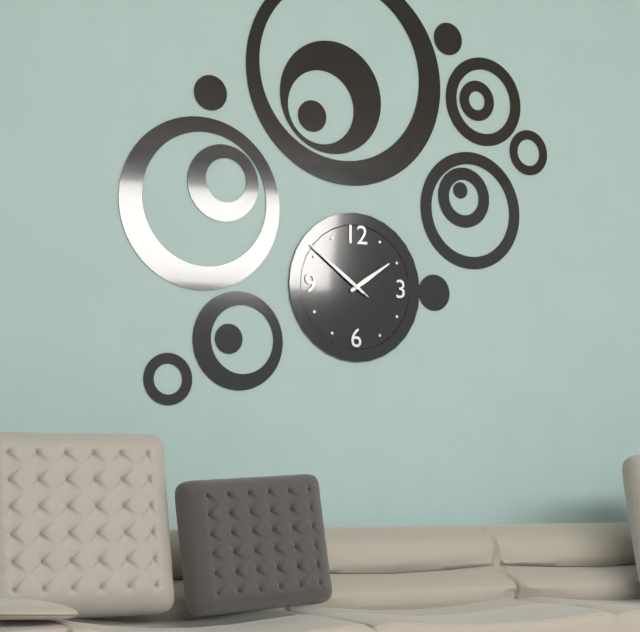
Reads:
h=1 m=51 s=51
